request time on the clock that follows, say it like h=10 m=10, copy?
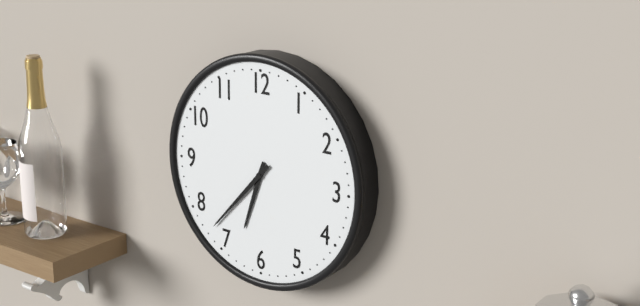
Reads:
h=6 m=37
